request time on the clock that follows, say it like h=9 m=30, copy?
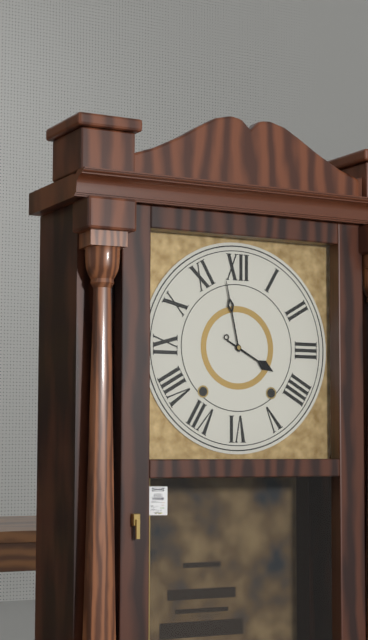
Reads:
h=3 m=58
